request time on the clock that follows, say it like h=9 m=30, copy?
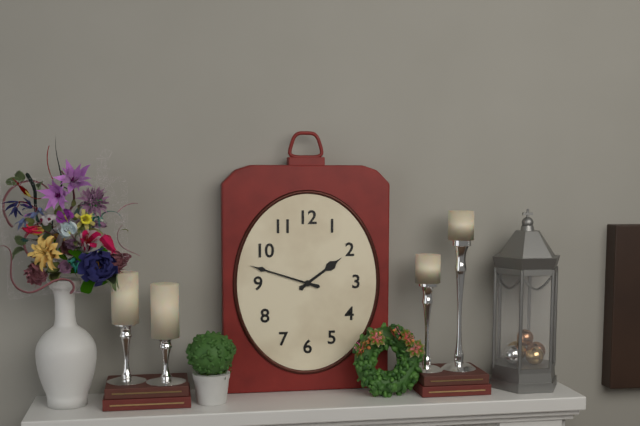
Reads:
h=1 m=48
